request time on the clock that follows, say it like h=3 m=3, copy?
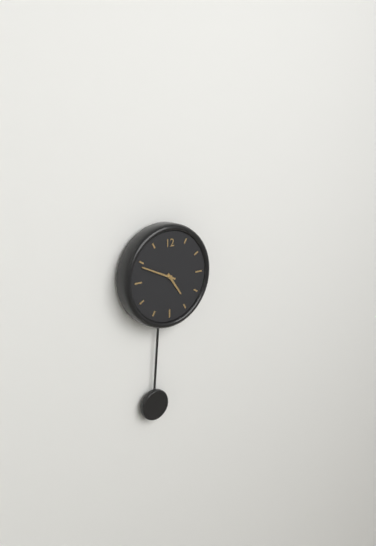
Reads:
h=4 m=49
